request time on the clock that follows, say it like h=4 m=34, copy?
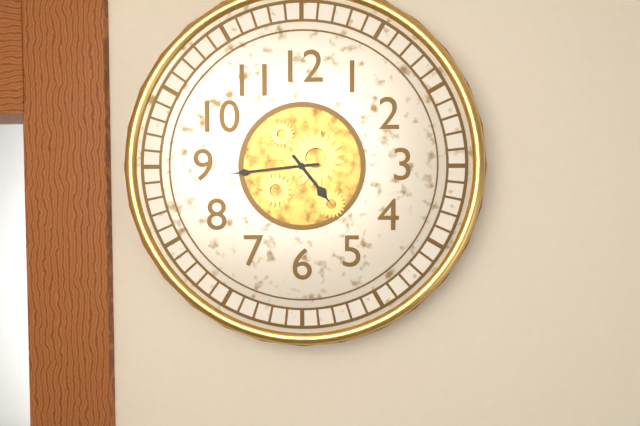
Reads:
h=4 m=44
